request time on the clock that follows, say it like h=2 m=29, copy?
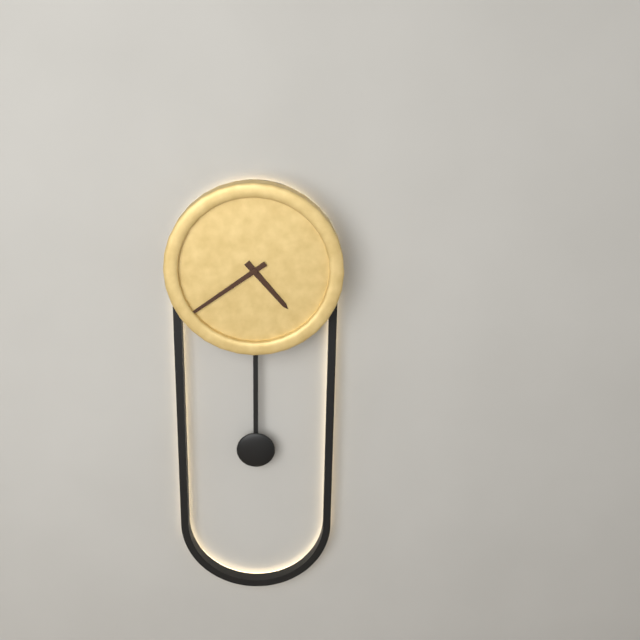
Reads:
h=4 m=39
